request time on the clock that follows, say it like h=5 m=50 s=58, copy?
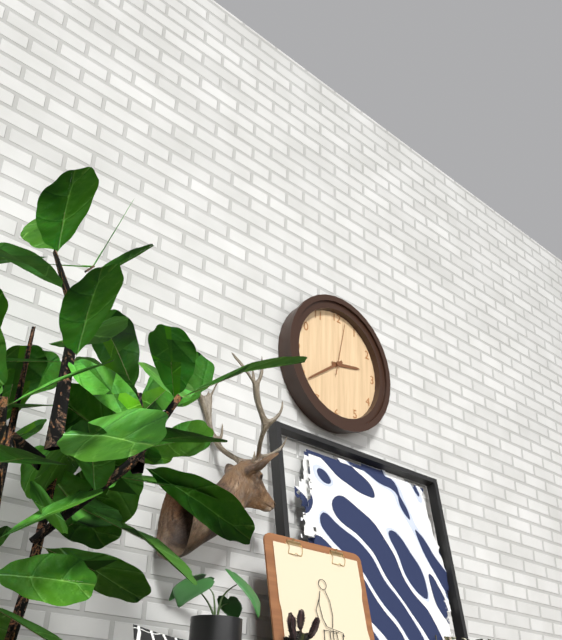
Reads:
h=2 m=39 s=2
